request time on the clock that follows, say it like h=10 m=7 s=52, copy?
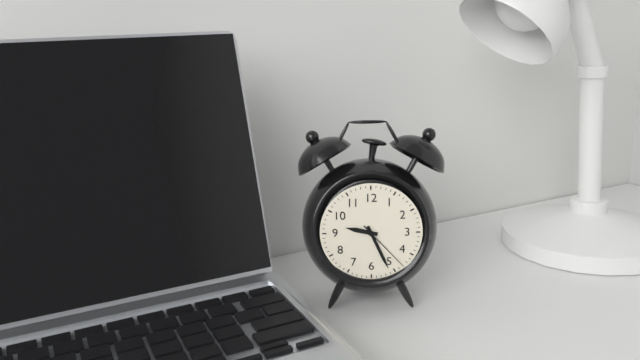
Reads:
h=9 m=26 s=23
